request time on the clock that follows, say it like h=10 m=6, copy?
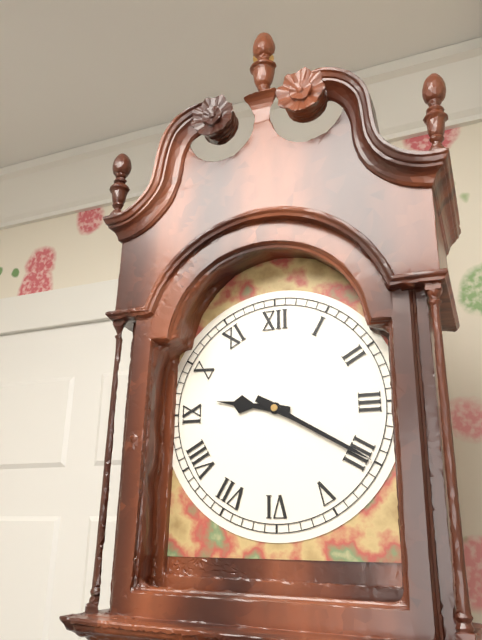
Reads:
h=9 m=20
